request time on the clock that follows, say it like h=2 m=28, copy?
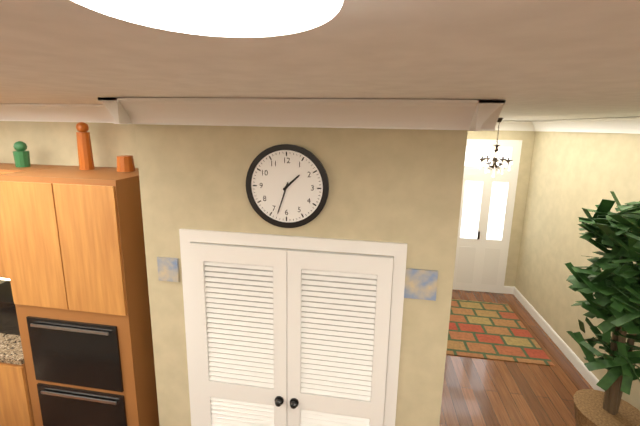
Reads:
h=1 m=33
